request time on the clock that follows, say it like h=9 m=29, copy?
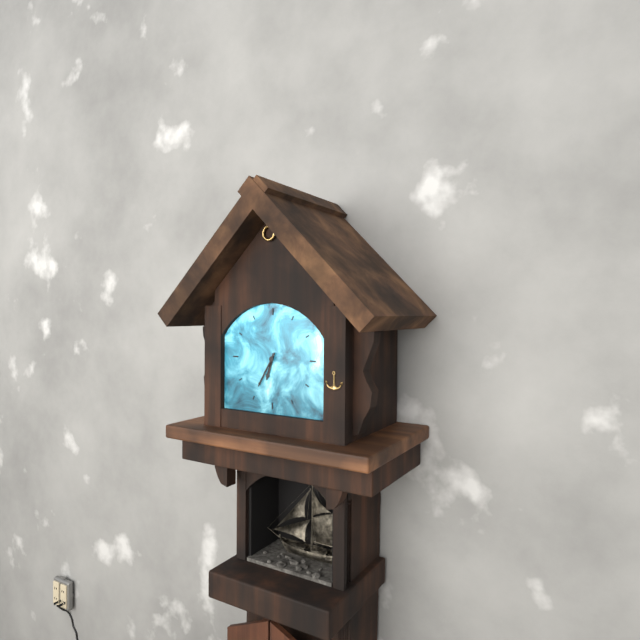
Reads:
h=6 m=35
